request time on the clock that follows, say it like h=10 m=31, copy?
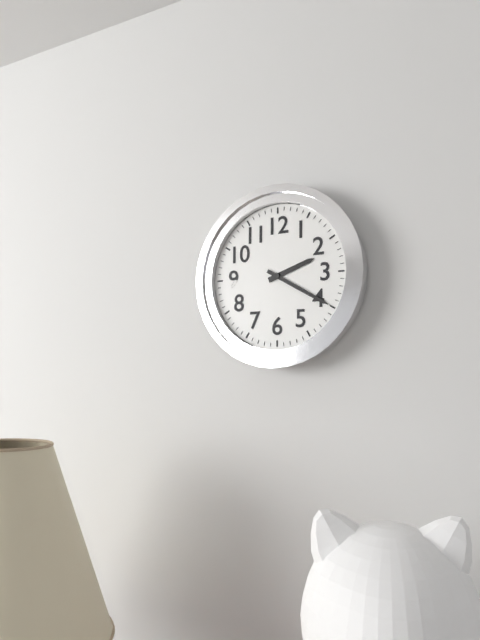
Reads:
h=2 m=20
